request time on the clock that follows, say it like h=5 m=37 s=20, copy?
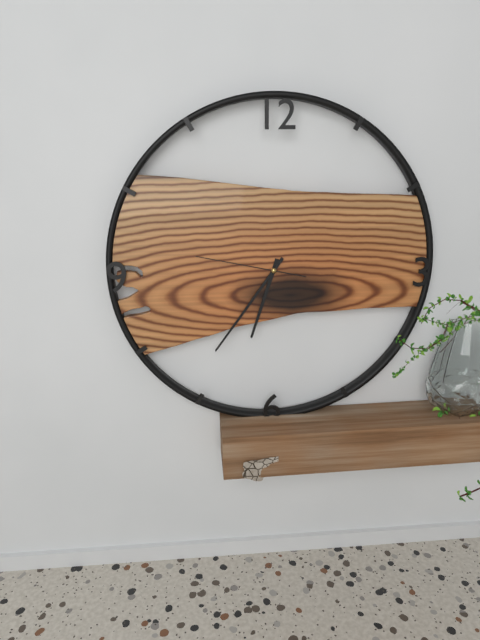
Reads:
h=6 m=36 s=47
